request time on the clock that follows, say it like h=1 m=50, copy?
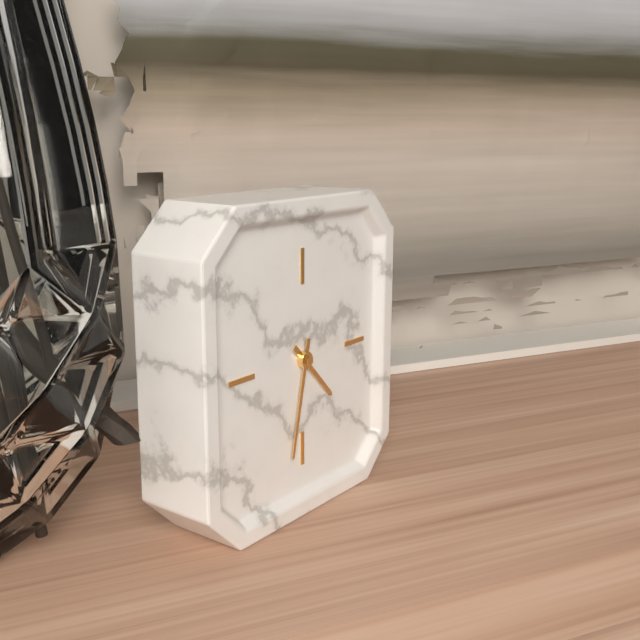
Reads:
h=4 m=32
